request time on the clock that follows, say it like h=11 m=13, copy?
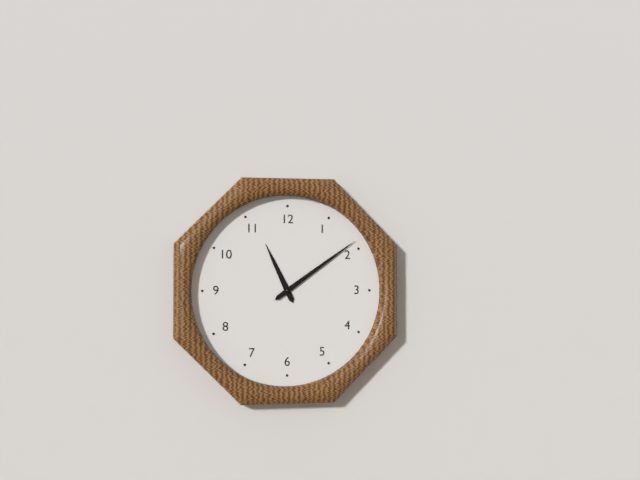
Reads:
h=11 m=9
